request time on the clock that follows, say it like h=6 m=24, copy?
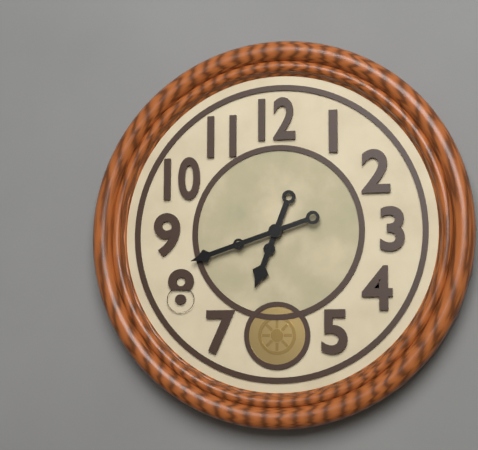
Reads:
h=6 m=42
